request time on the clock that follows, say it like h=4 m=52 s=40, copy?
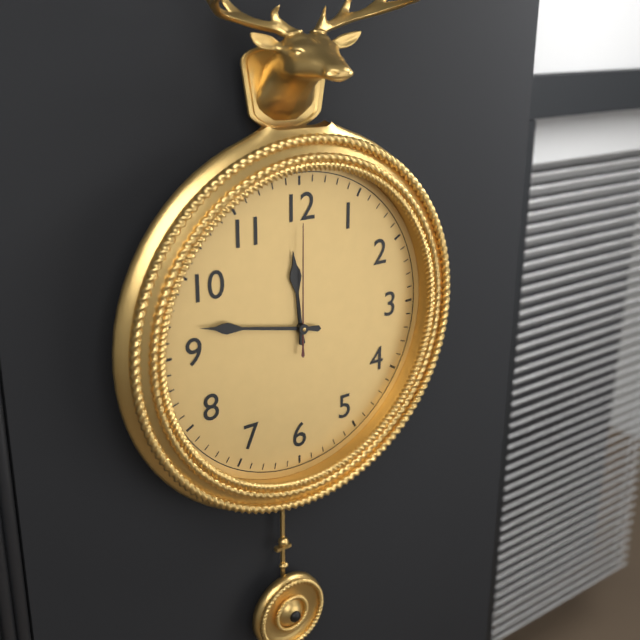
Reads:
h=11 m=47 s=0
